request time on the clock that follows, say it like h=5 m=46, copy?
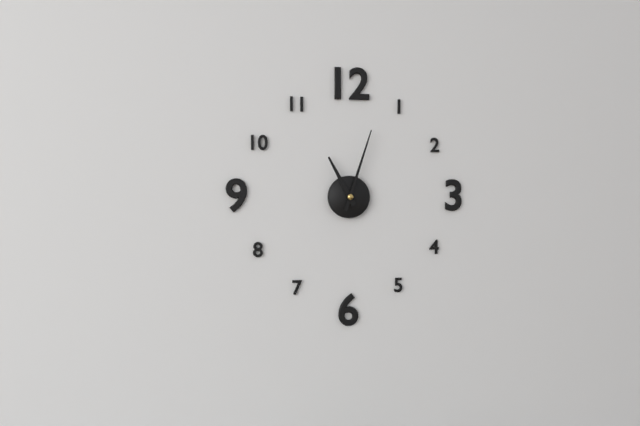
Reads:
h=11 m=3
